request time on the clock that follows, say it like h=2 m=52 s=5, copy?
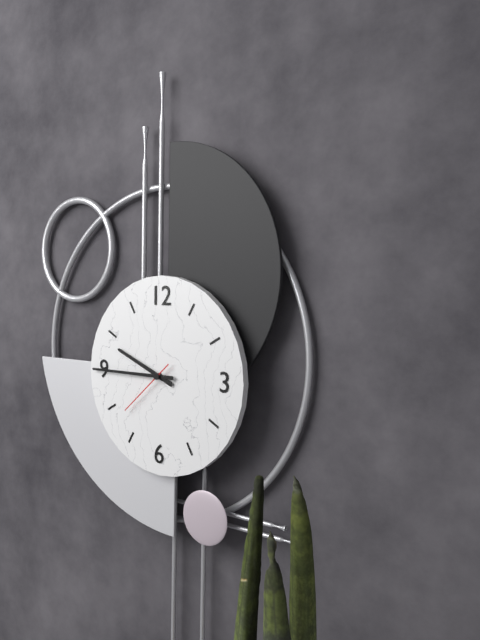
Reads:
h=9 m=45 s=38
